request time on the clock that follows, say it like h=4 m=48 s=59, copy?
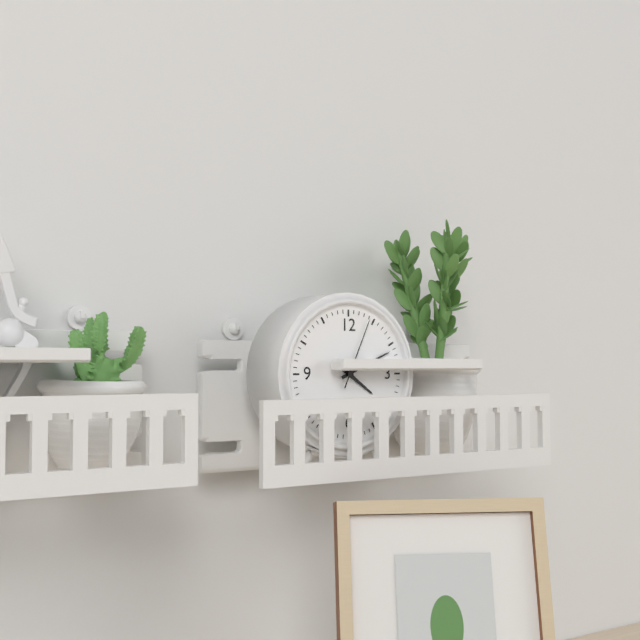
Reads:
h=4 m=11 s=4
